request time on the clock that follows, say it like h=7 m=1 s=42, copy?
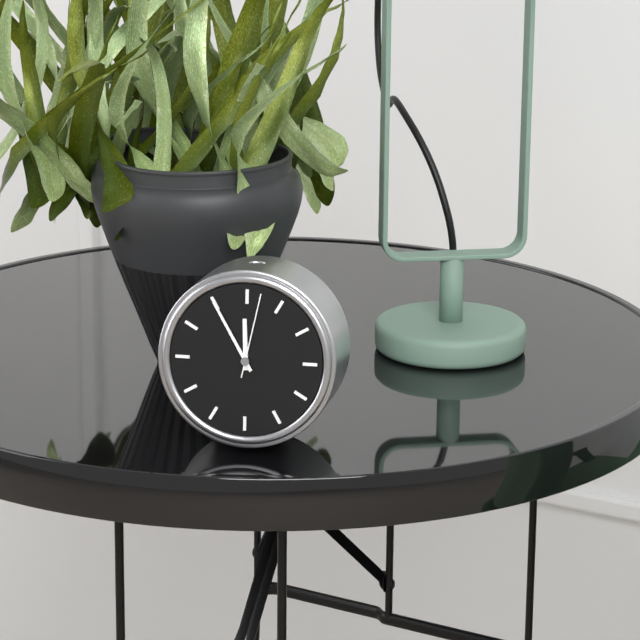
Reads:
h=11 m=55 s=2
